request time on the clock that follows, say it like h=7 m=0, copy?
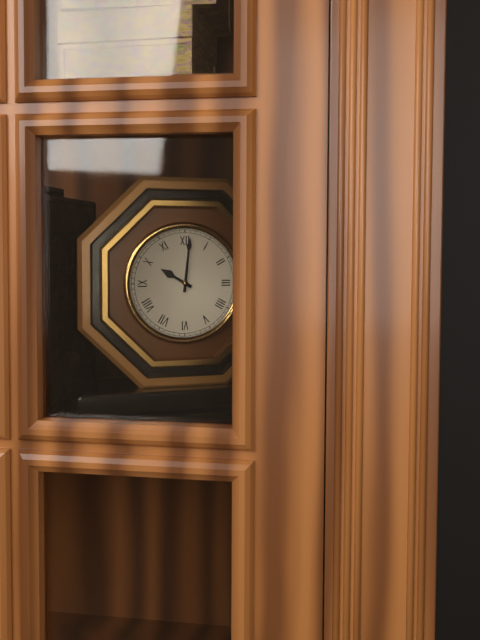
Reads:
h=10 m=1
